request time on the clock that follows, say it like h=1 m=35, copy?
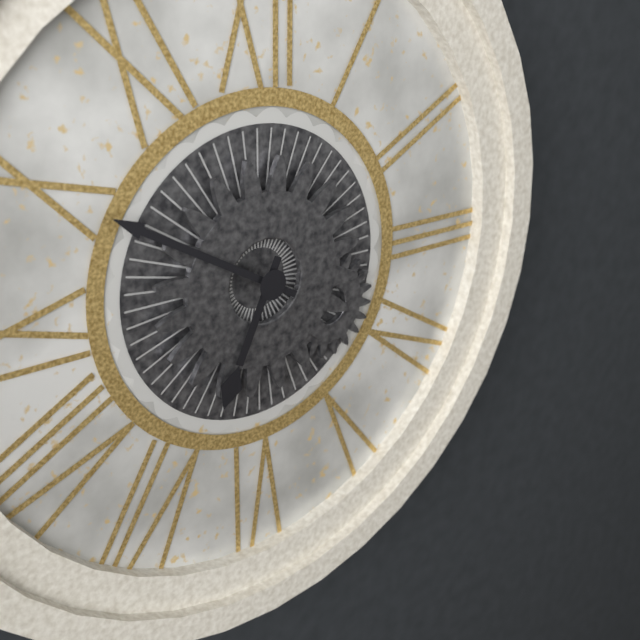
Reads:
h=6 m=50
